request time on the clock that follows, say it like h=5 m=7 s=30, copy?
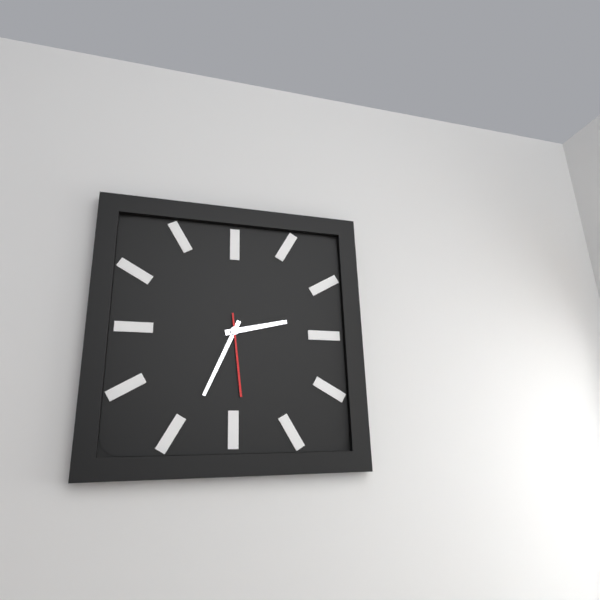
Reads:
h=2 m=34 s=29
